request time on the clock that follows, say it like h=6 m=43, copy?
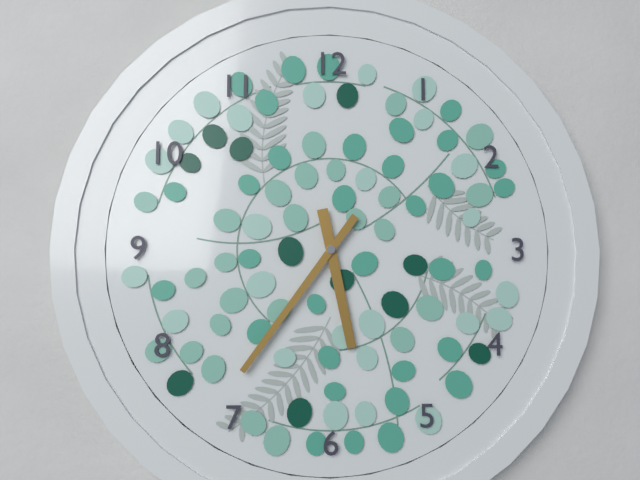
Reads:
h=5 m=36
